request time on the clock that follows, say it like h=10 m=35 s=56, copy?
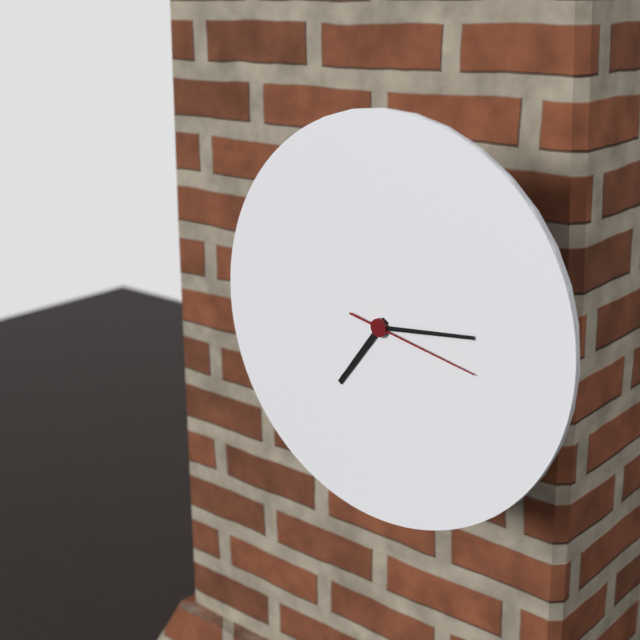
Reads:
h=7 m=14 s=17
